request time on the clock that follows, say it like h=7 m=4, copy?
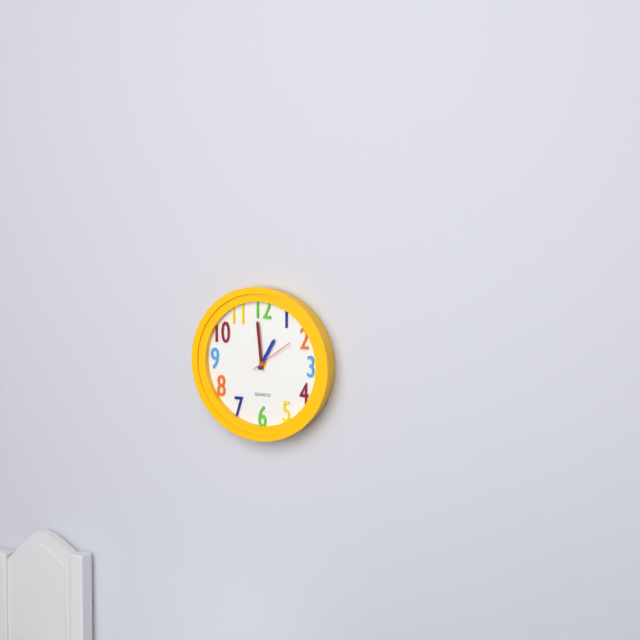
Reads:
h=12 m=59
